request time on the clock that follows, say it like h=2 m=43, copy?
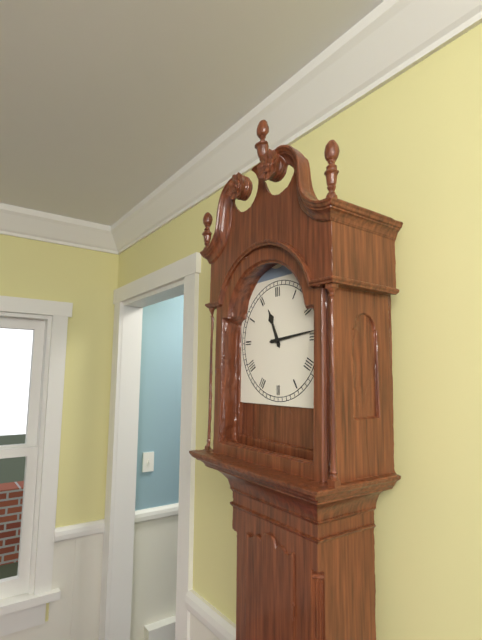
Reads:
h=11 m=14
